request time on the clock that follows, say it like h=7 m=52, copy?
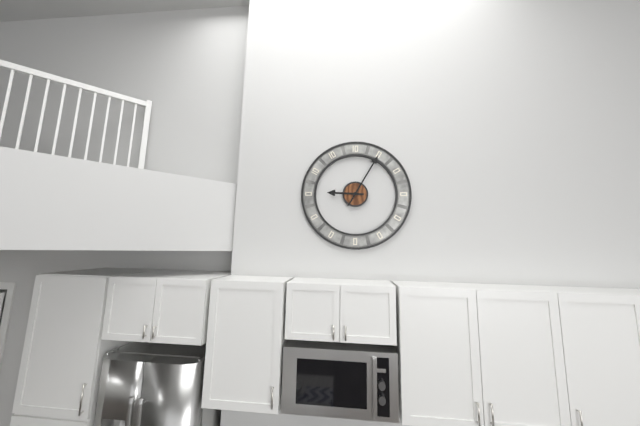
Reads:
h=9 m=5
